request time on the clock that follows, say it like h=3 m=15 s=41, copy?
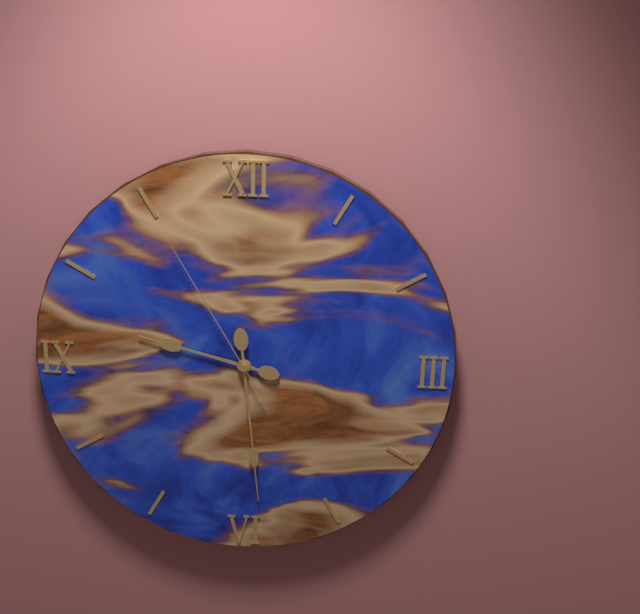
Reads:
h=9 m=29 s=55
